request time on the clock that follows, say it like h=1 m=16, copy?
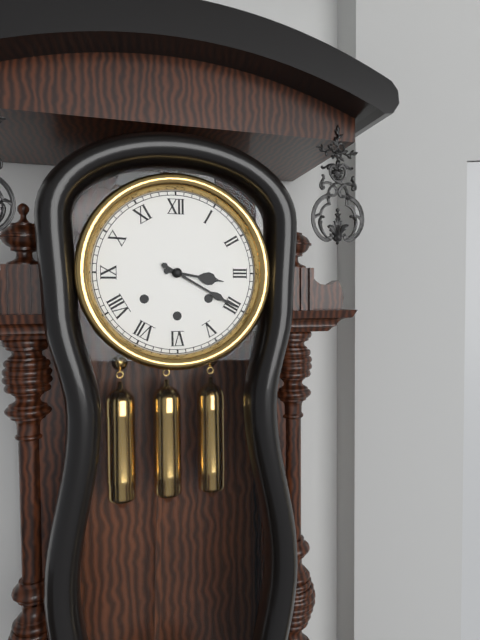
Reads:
h=3 m=20
